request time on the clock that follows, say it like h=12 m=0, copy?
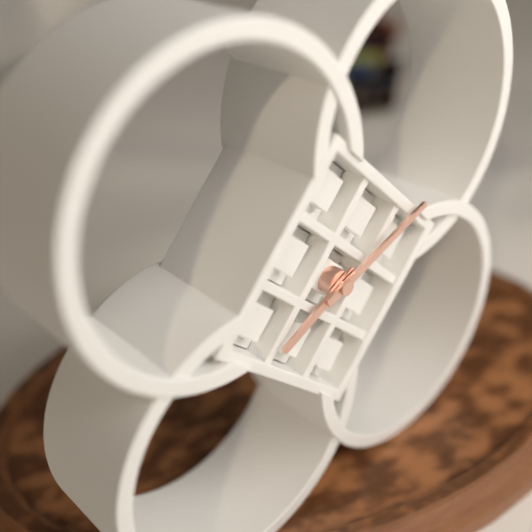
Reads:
h=8 m=12
